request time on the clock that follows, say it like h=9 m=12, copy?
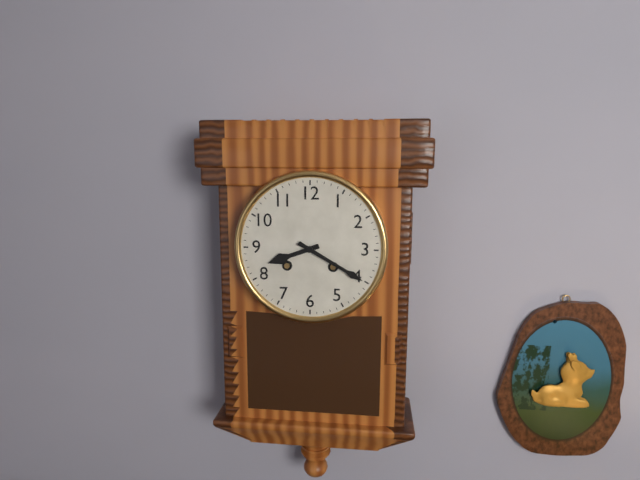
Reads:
h=8 m=20
